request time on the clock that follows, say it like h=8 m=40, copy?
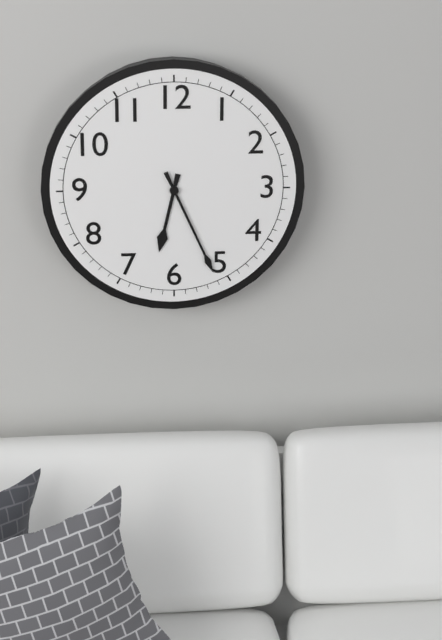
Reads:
h=6 m=26
